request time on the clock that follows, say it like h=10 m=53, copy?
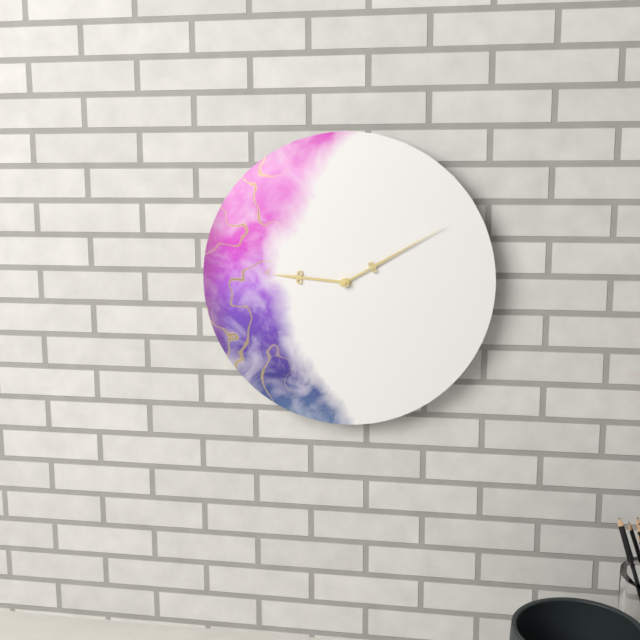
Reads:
h=9 m=10
